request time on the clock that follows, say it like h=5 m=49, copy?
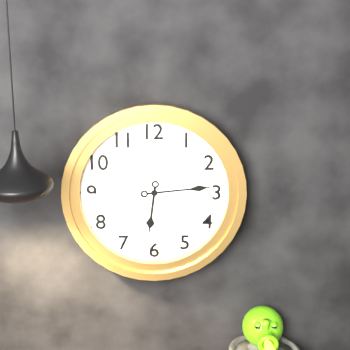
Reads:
h=6 m=14
